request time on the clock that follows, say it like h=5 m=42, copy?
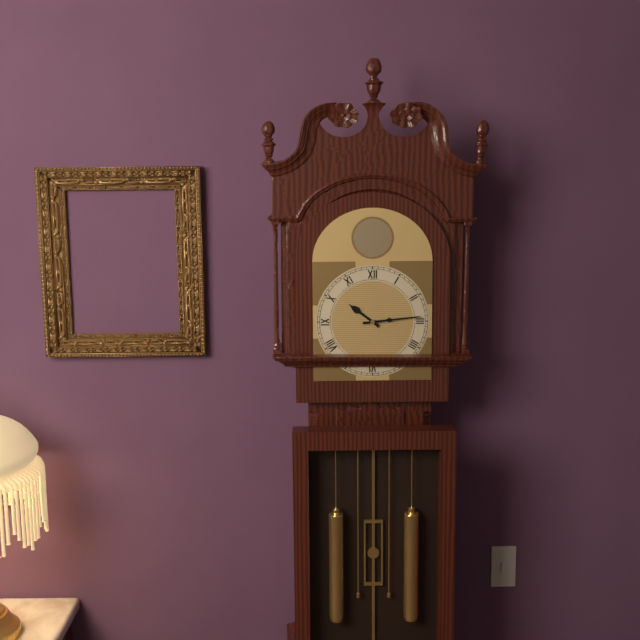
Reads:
h=10 m=14
